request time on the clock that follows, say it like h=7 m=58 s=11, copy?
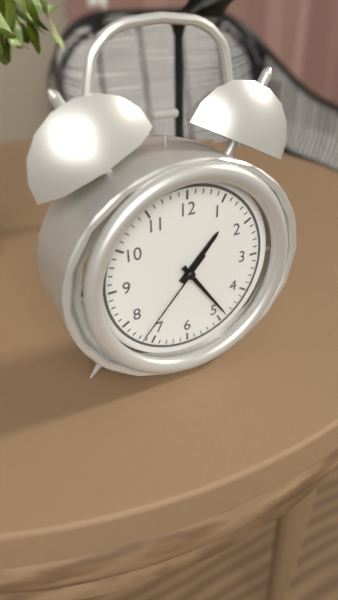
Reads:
h=1 m=24 s=37
